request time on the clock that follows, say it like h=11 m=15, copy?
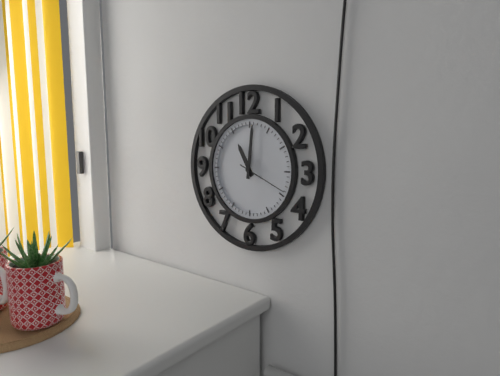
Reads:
h=11 m=1
